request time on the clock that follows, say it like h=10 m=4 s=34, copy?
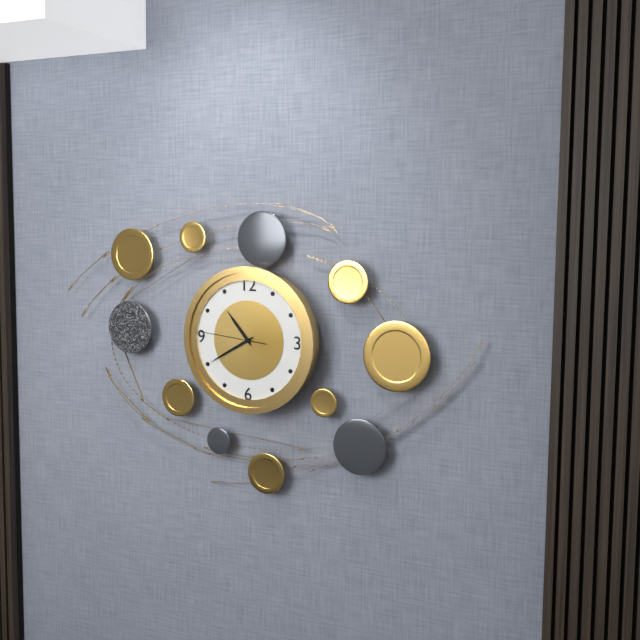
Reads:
h=10 m=40 s=46
